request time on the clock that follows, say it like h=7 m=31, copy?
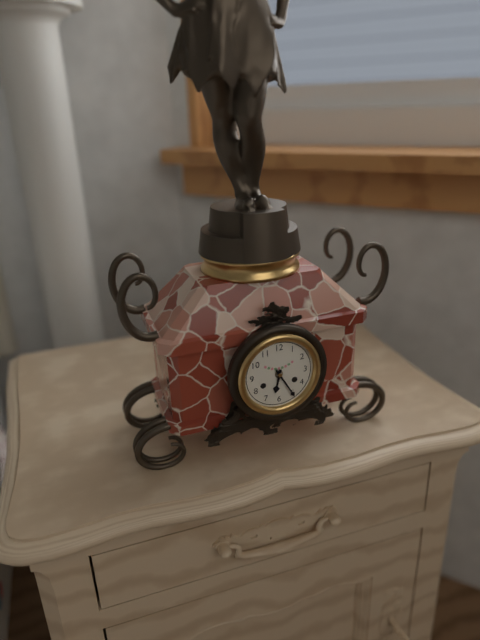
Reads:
h=6 m=25
